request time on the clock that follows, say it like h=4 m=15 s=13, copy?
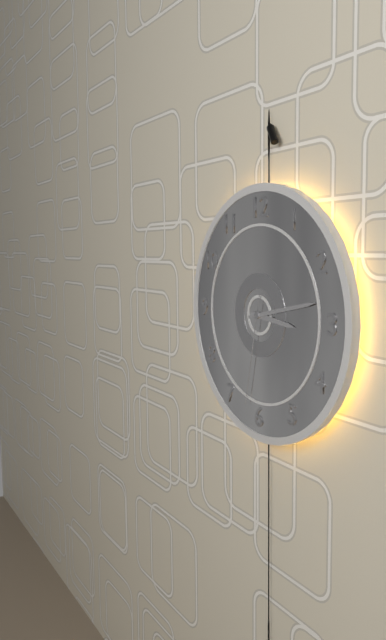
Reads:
h=3 m=13 s=32
